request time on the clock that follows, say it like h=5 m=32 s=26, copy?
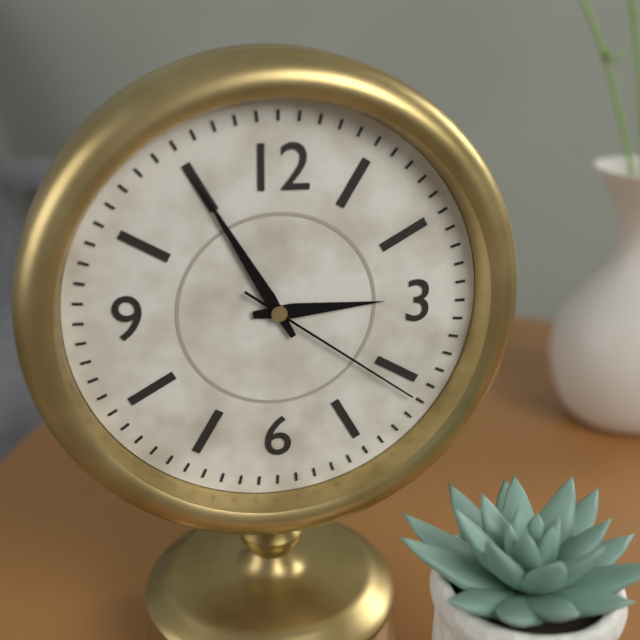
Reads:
h=2 m=55 s=21
